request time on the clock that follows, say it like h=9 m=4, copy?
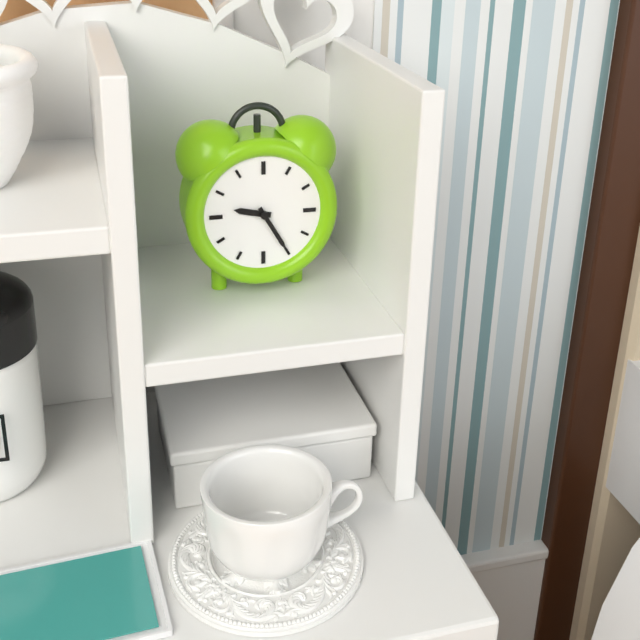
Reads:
h=9 m=25
